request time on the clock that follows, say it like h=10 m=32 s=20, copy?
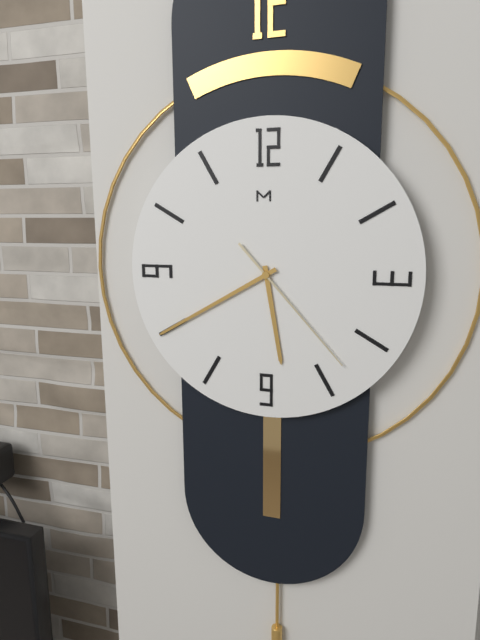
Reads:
h=5 m=40 s=23
